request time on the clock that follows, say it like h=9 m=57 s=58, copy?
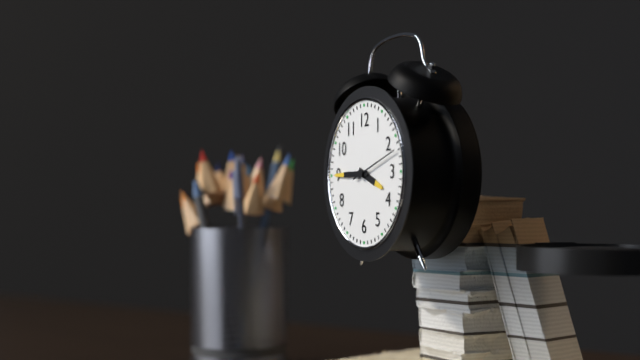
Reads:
h=3 m=45 s=12
